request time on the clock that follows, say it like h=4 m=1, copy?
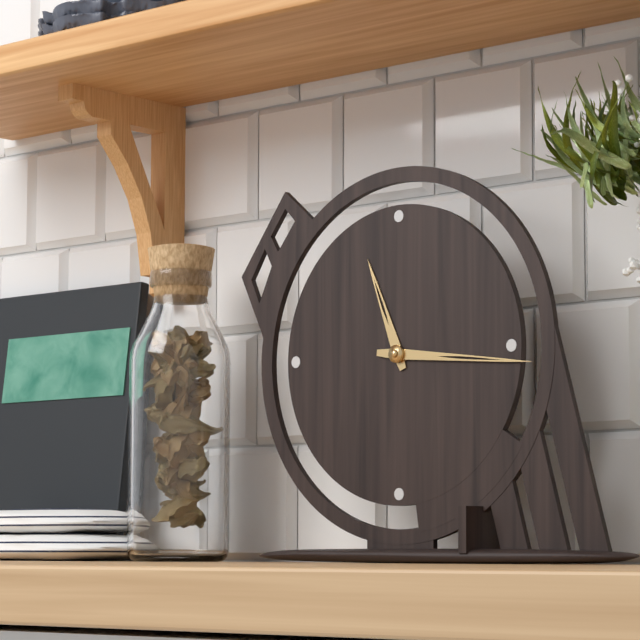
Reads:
h=11 m=16
